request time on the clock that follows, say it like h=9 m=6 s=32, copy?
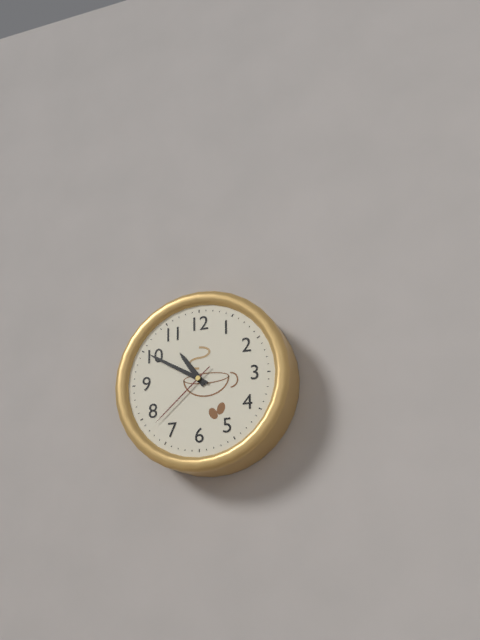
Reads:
h=10 m=50 s=38
